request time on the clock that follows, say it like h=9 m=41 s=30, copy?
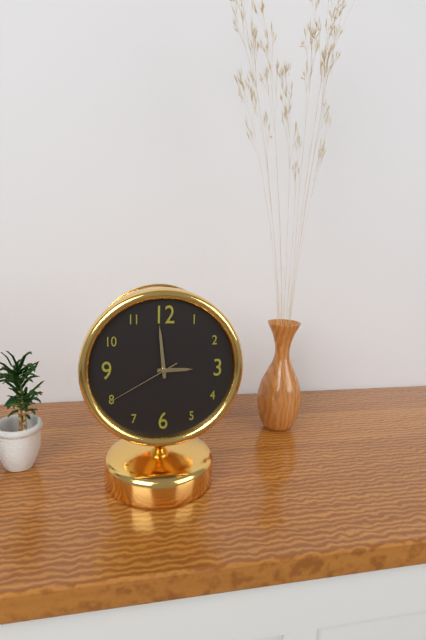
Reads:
h=2 m=59 s=40
